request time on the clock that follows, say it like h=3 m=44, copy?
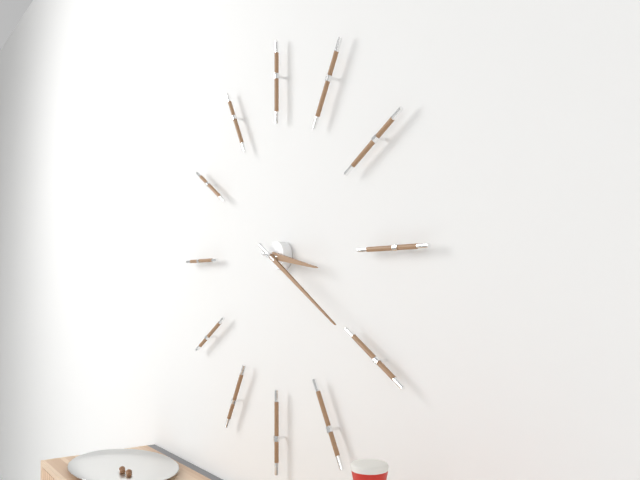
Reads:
h=3 m=20
